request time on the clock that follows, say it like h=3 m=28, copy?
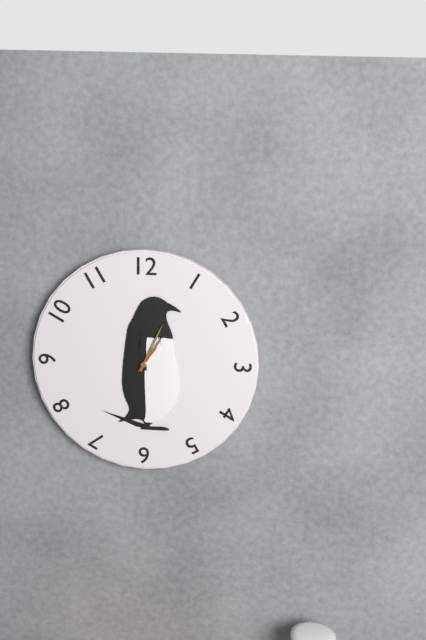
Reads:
h=1 m=4
